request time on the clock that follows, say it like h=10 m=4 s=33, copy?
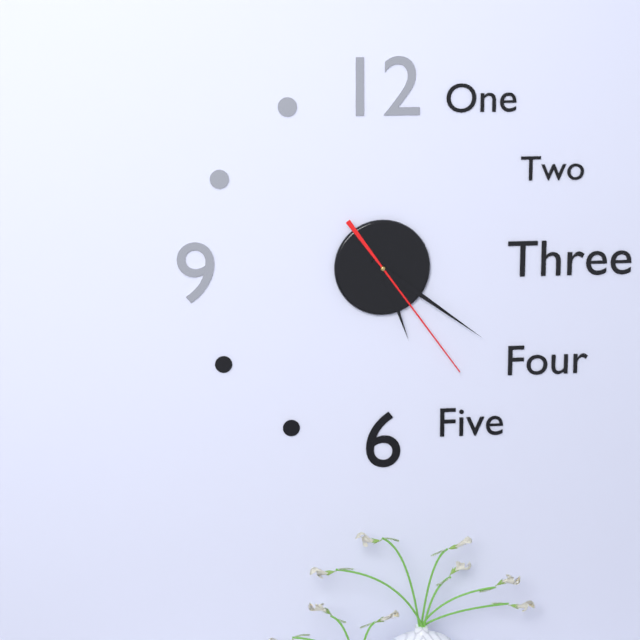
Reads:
h=5 m=21 s=24
